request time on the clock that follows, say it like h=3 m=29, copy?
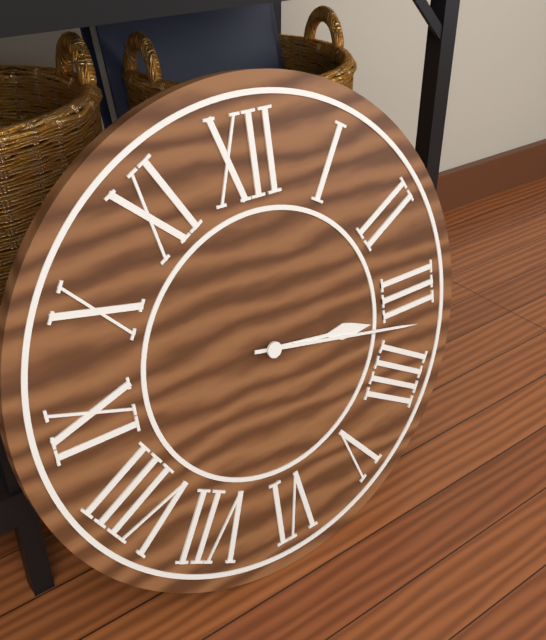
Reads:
h=3 m=17
